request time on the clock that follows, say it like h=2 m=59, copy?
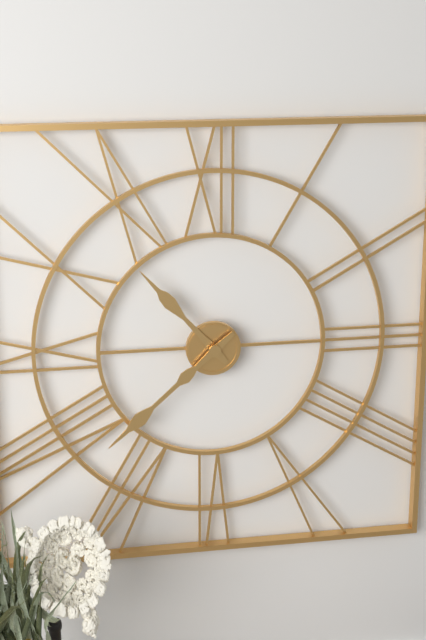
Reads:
h=10 m=38
